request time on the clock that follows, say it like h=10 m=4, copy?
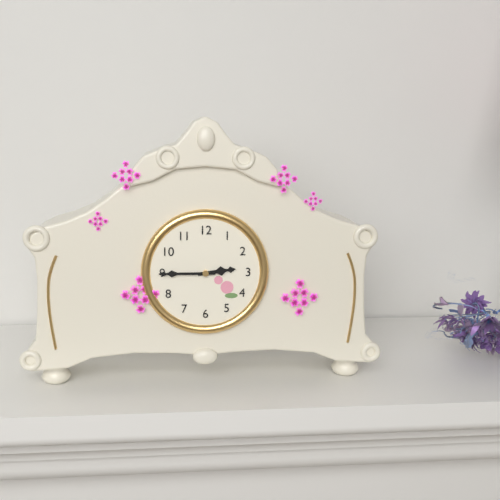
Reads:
h=2 m=45
